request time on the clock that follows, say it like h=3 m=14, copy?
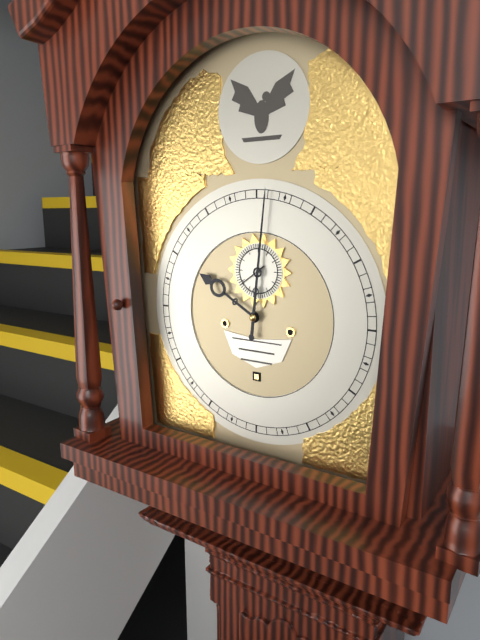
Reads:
h=10 m=1
